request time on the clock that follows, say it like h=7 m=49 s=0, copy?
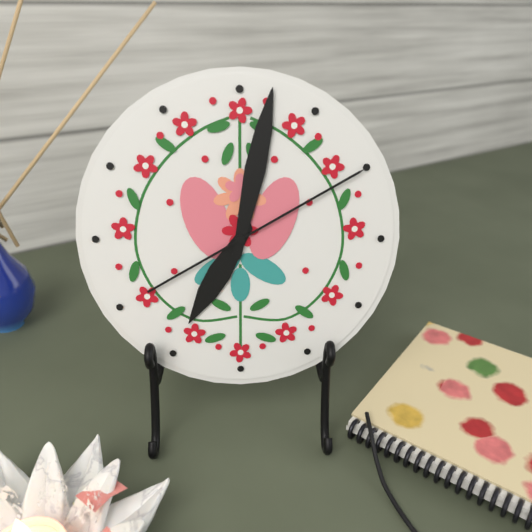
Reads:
h=7 m=2 s=10
